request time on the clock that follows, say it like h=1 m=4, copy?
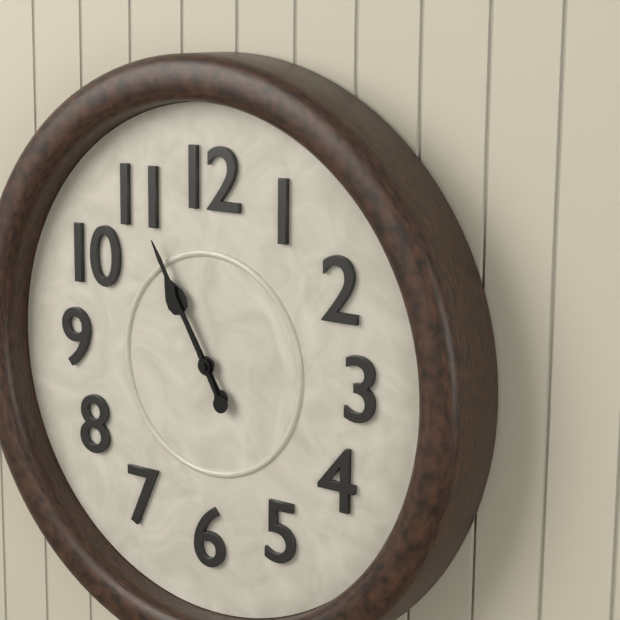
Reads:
h=10 m=55
